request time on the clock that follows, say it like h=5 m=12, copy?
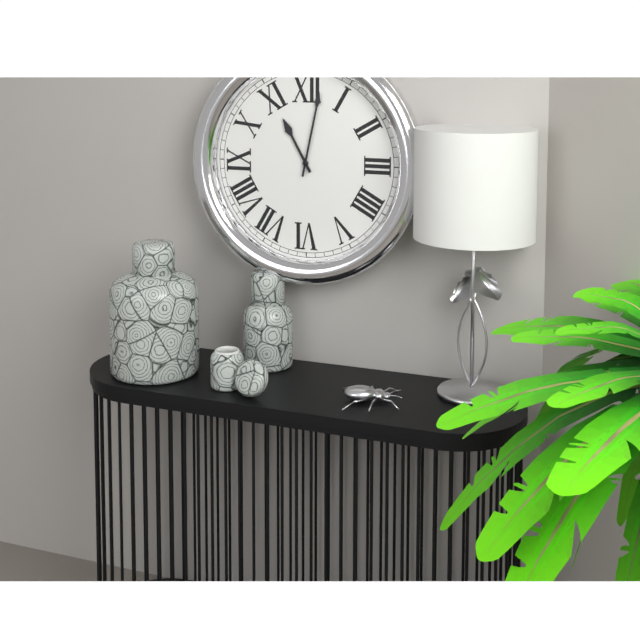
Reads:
h=11 m=2
